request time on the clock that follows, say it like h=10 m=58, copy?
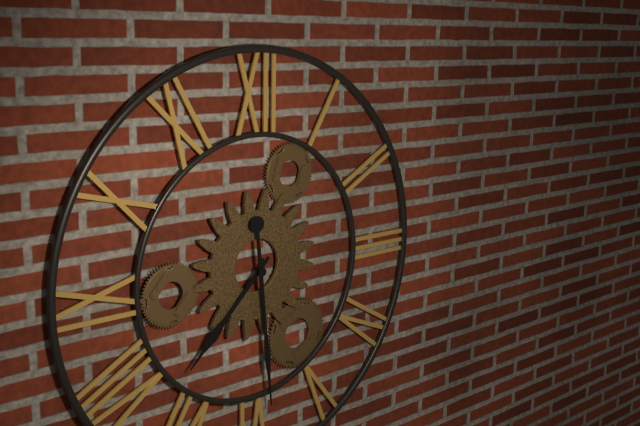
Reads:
h=7 m=29
